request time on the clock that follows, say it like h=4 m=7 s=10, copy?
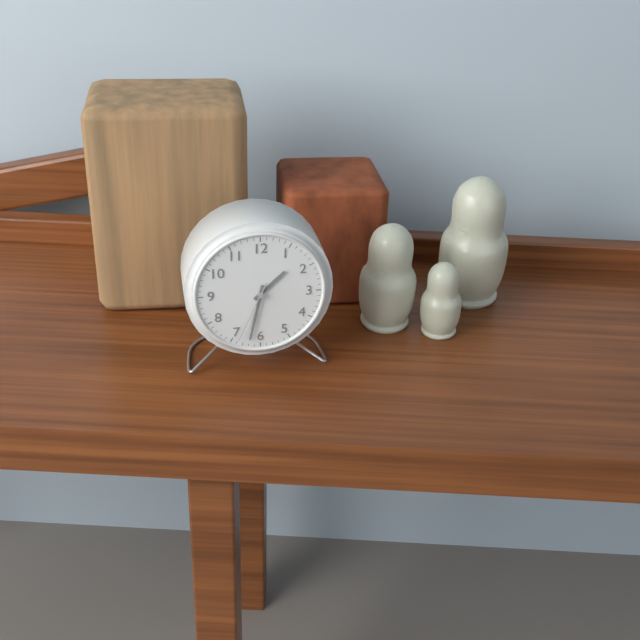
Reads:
h=1 m=32 s=34
